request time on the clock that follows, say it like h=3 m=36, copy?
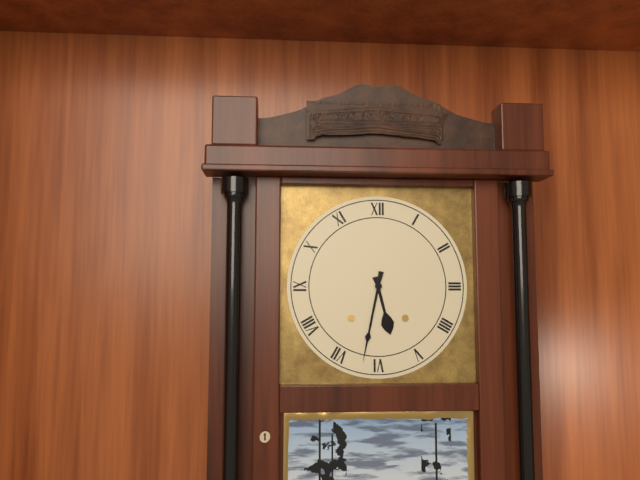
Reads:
h=5 m=32
